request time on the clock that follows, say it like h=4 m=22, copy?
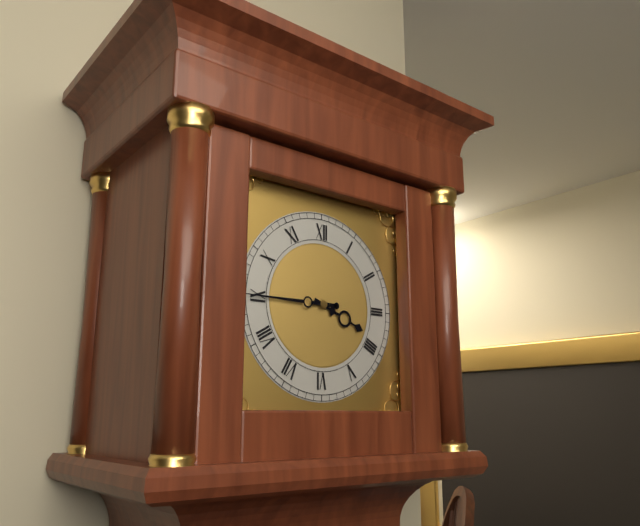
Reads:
h=3 m=45
